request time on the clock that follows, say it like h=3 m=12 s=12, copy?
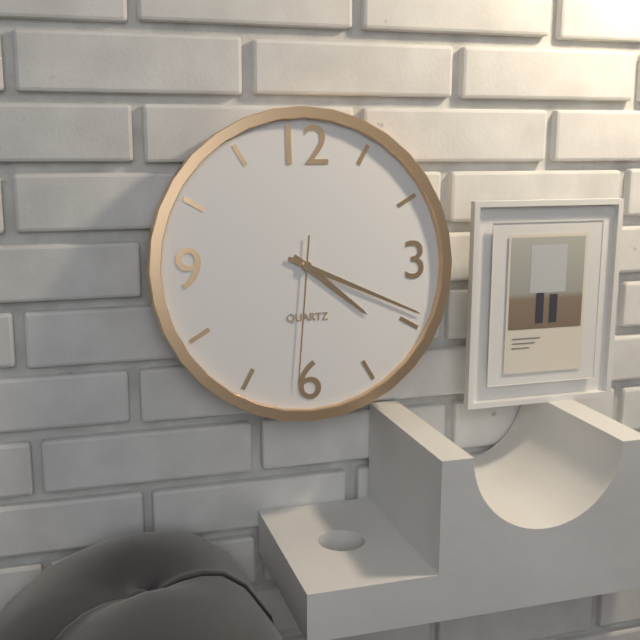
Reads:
h=4 m=19 s=31
